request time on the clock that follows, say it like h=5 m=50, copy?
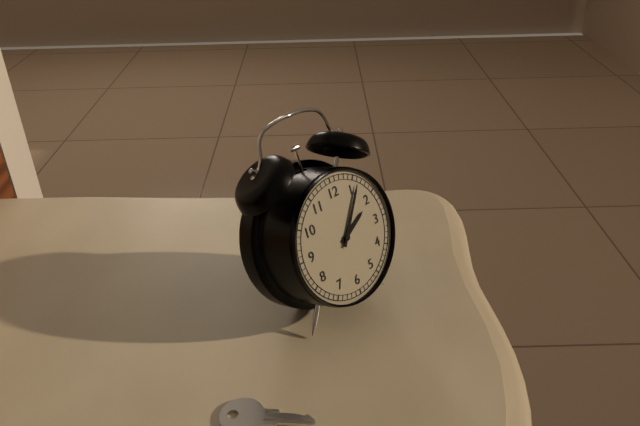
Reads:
h=2 m=6
